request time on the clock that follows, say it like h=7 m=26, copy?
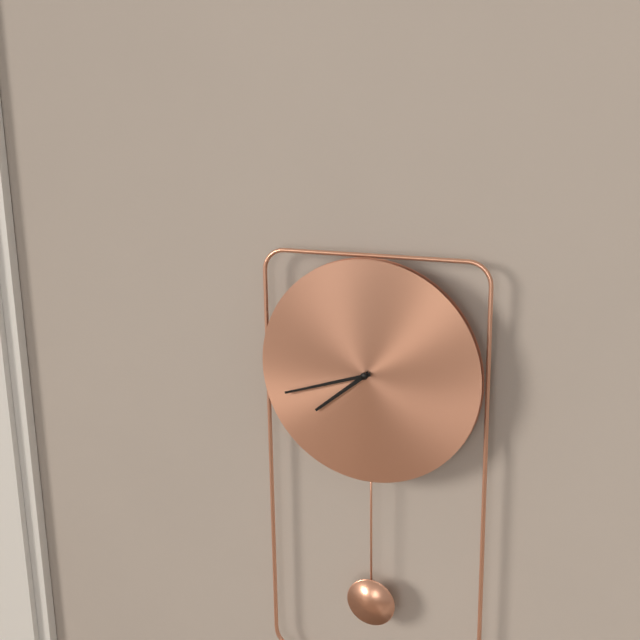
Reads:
h=7 m=42
